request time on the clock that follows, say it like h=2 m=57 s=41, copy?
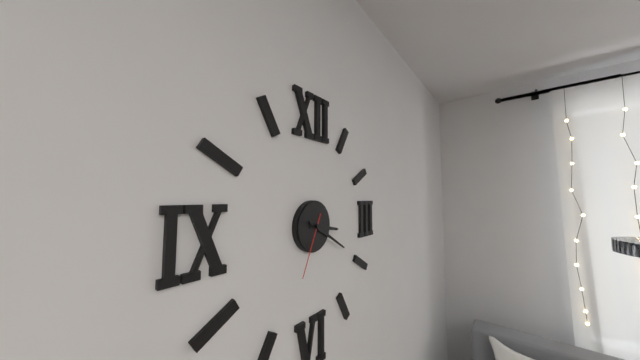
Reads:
h=3 m=20 s=34
